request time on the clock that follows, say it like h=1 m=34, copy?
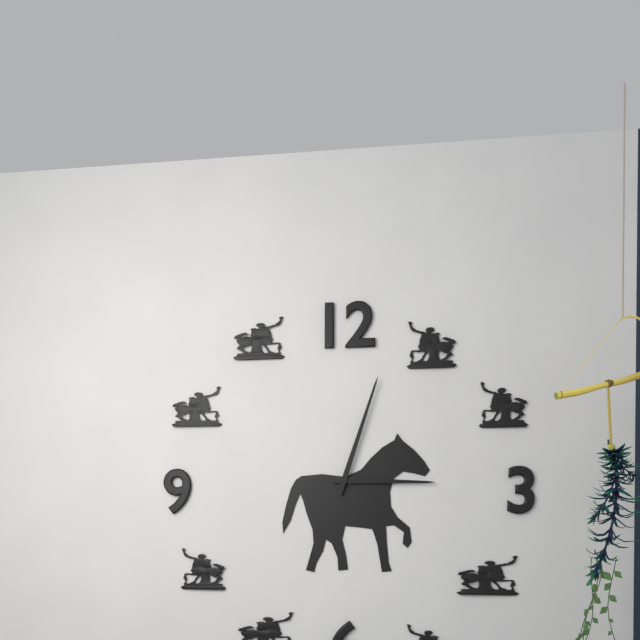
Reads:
h=3 m=3
